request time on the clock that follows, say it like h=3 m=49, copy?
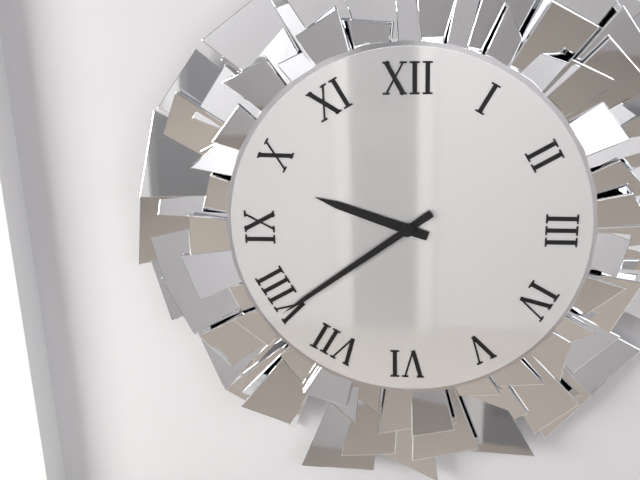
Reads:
h=9 m=39
